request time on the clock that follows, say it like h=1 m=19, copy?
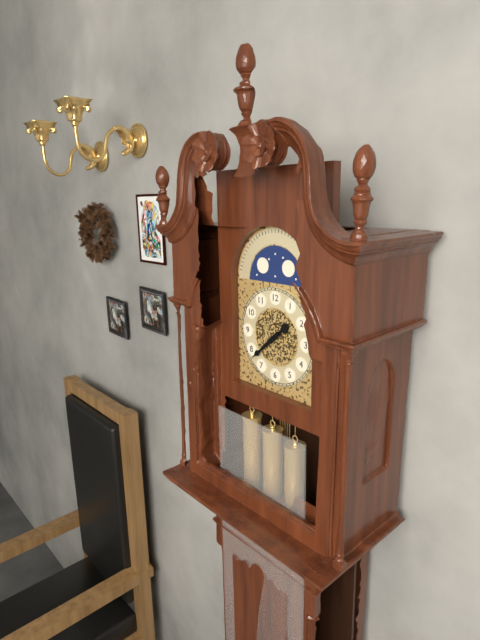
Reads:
h=1 m=38
